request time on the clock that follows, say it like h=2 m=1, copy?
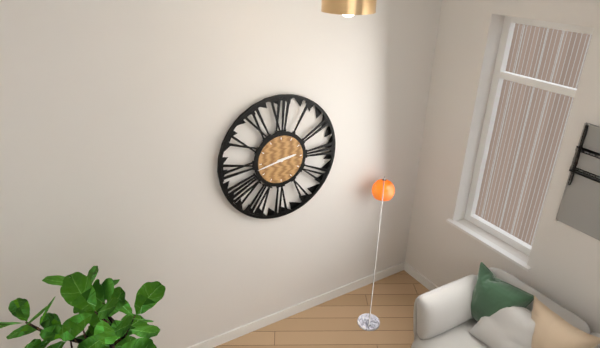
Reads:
h=2 m=43
